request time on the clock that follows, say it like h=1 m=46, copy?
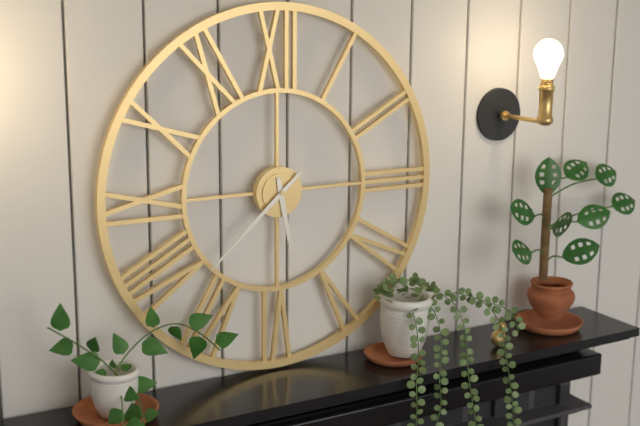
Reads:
h=5 m=38
